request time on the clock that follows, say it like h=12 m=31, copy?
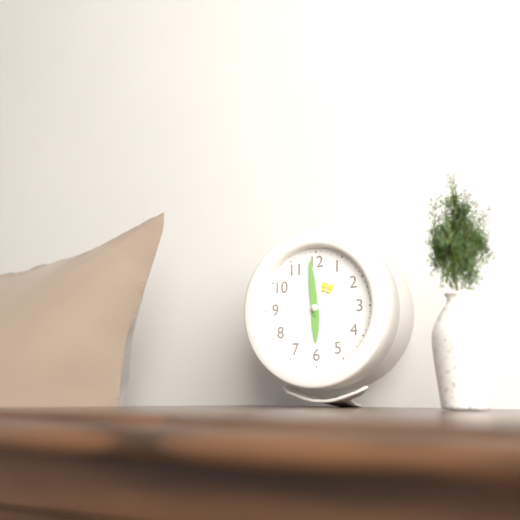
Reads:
h=5 m=59
